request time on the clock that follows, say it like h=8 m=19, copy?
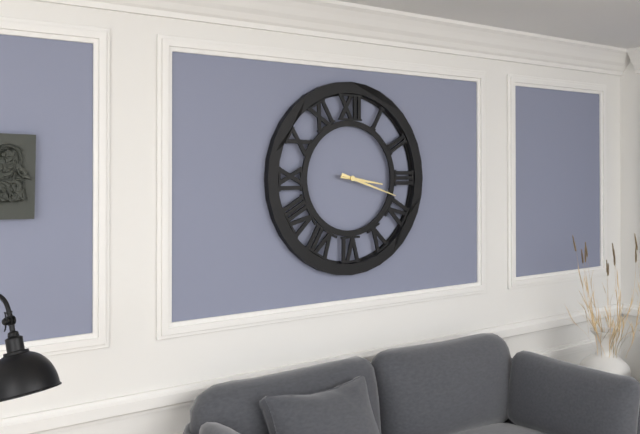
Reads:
h=3 m=18
